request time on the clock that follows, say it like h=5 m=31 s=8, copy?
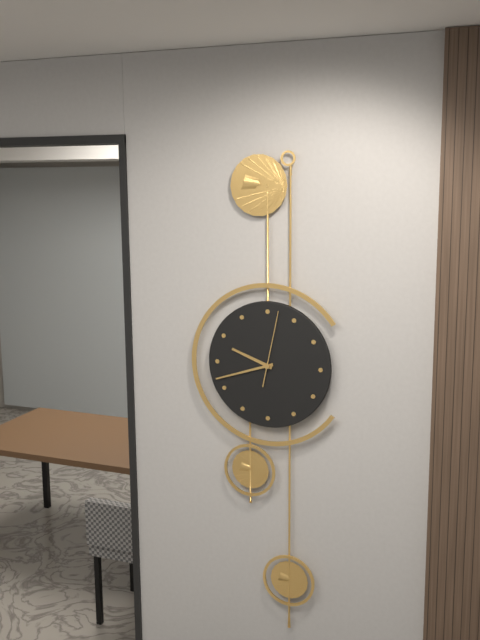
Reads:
h=9 m=42 s=2
